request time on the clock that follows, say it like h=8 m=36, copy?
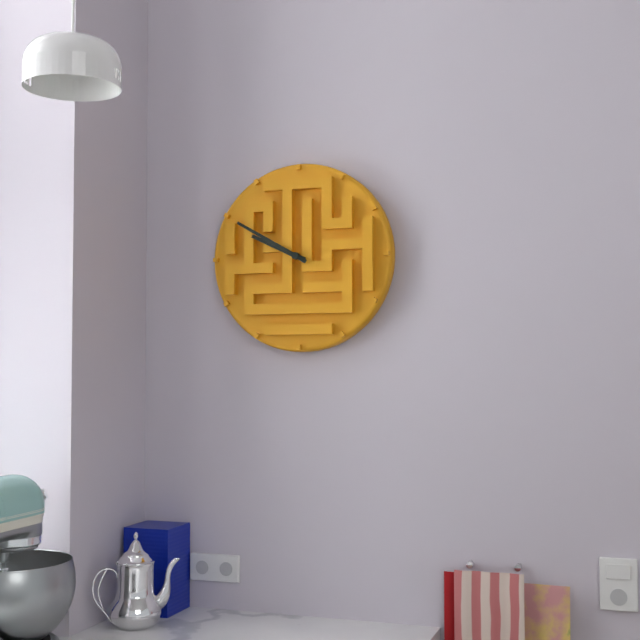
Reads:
h=9 m=50
